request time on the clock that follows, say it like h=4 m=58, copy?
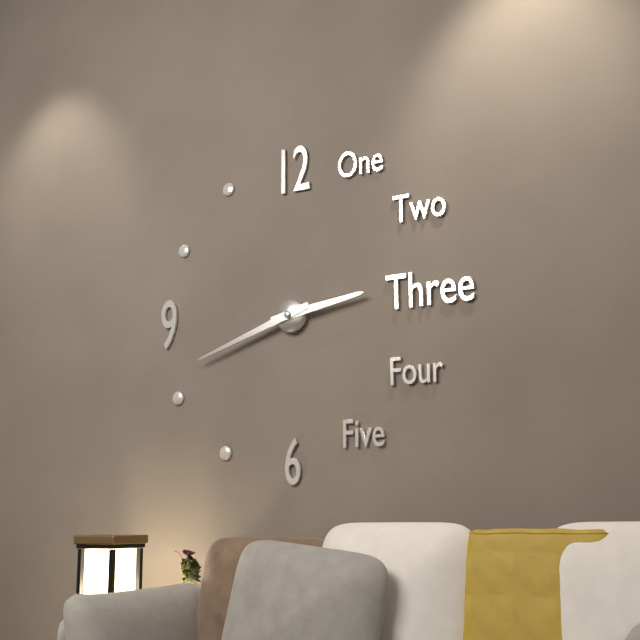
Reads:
h=2 m=42
